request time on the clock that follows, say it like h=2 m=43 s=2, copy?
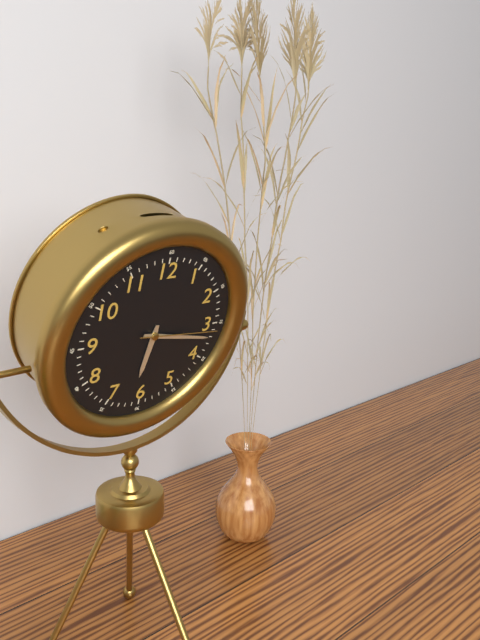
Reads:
h=6 m=17 s=16
